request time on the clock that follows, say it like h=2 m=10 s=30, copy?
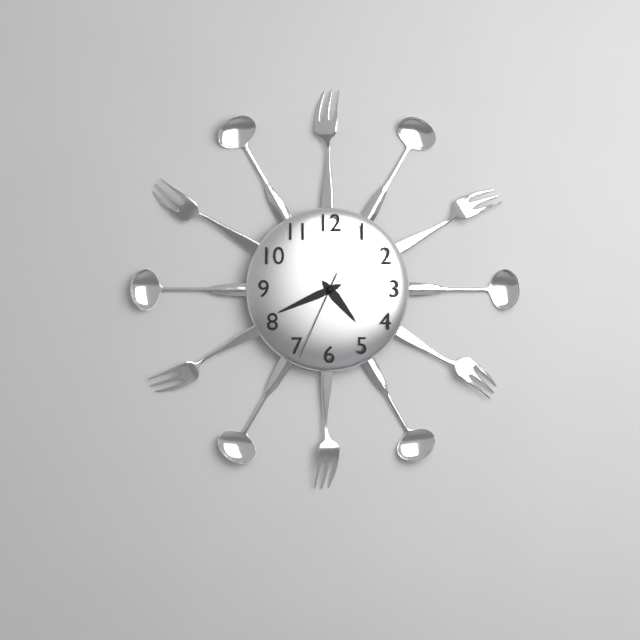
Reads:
h=4 m=41 s=34
